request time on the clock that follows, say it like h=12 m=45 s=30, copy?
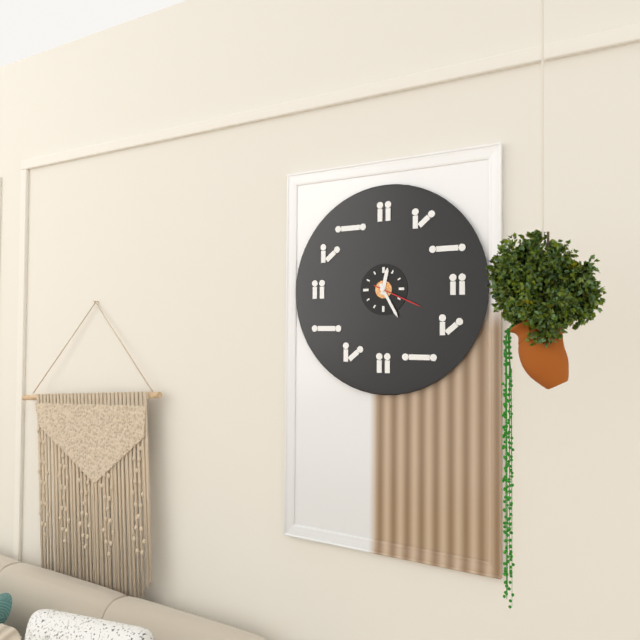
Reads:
h=12 m=25 s=19
